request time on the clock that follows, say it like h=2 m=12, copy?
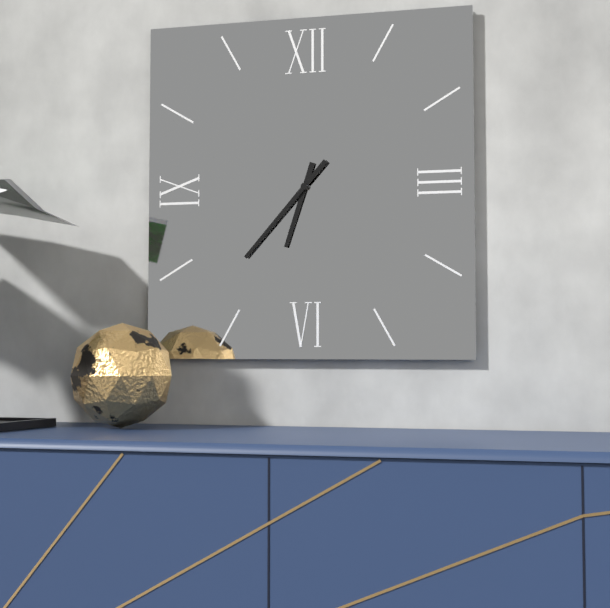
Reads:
h=6 m=37
